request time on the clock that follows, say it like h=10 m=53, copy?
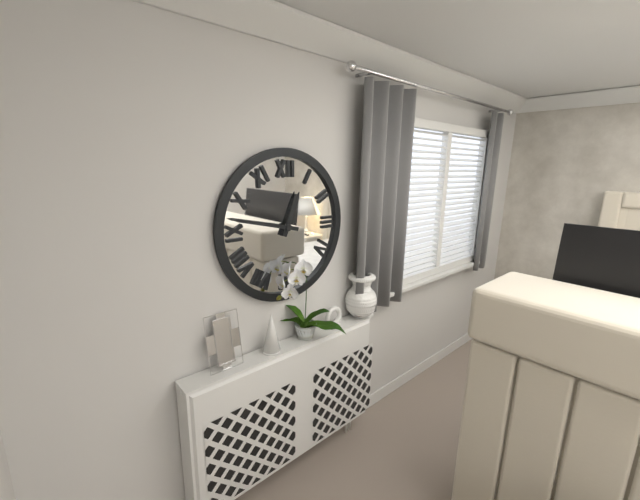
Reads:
h=12 m=47
